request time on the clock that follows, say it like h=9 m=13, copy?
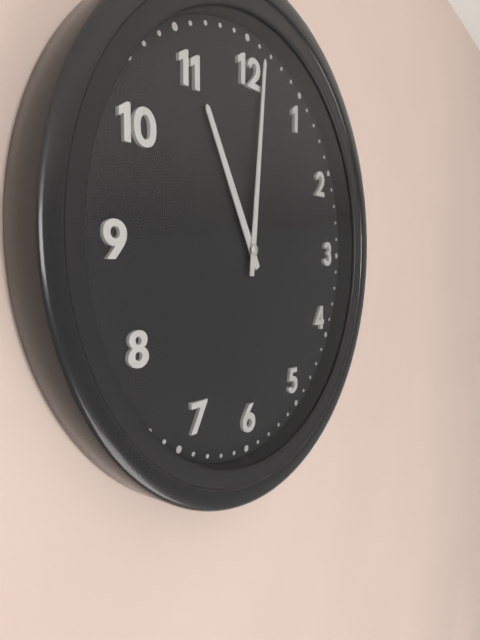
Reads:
h=11 m=1
